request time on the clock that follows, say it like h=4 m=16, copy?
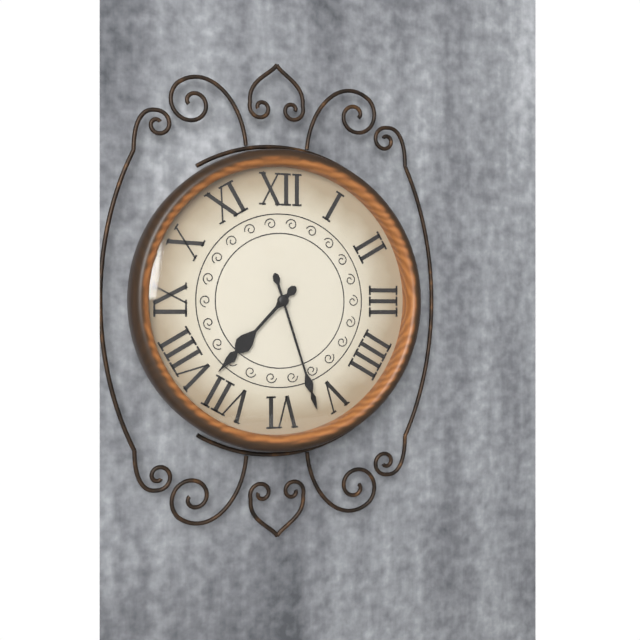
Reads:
h=7 m=27
